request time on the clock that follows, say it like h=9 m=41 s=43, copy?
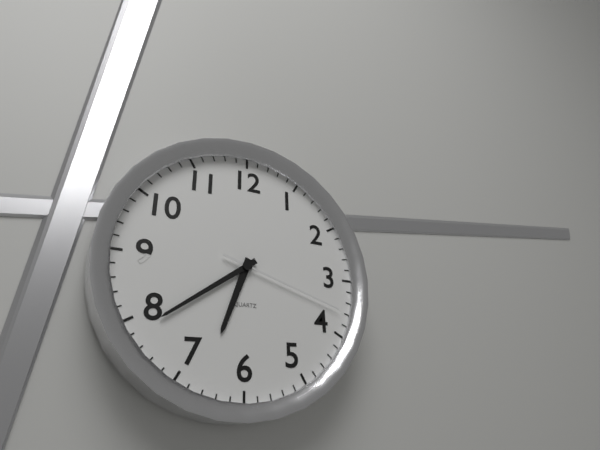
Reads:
h=6 m=39 s=18
